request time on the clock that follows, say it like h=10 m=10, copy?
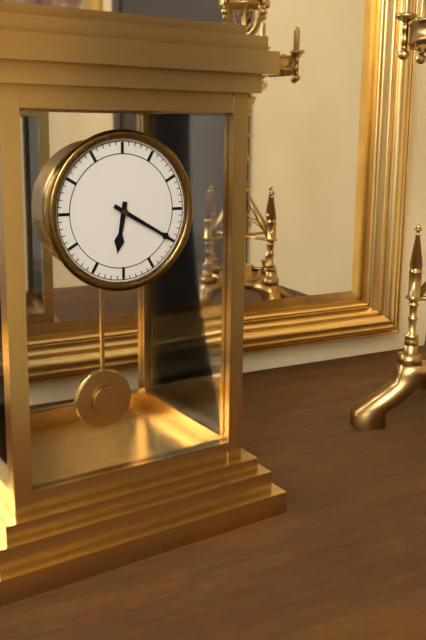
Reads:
h=6 m=20
